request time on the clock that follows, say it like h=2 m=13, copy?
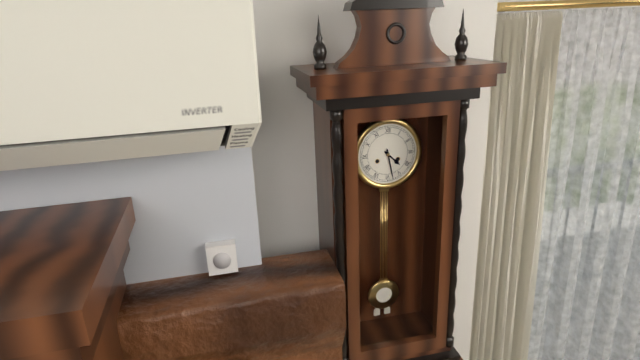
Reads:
h=4 m=28
